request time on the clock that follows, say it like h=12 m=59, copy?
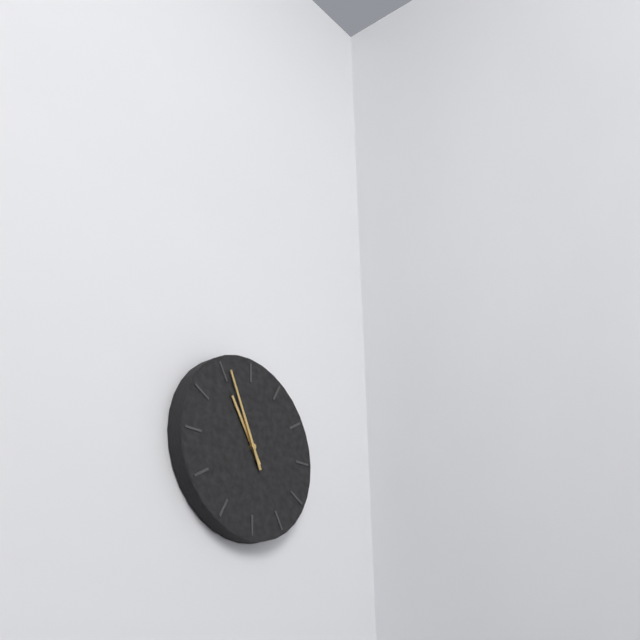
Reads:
h=10 m=56
